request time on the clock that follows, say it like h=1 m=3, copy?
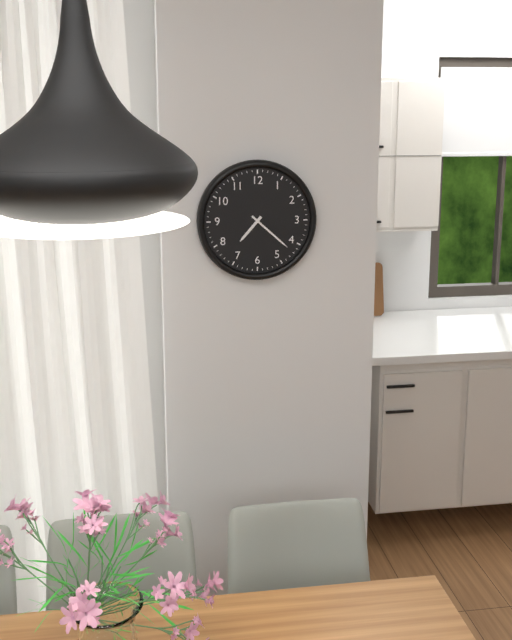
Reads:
h=7 m=22
